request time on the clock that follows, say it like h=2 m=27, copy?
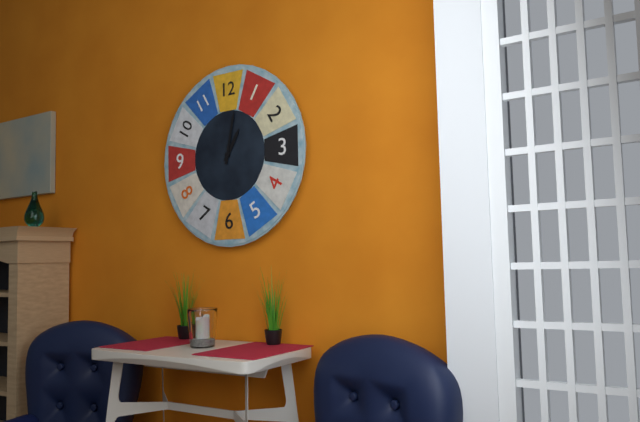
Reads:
h=1 m=2
